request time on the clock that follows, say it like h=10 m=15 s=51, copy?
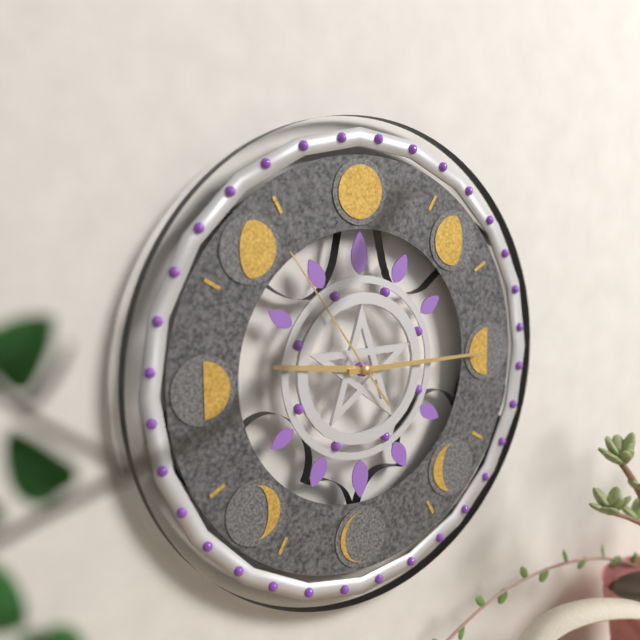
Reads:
h=9 m=15 s=54
